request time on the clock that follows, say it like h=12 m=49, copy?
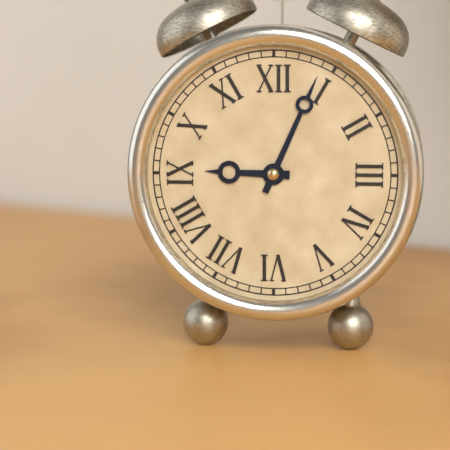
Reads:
h=9 m=4
